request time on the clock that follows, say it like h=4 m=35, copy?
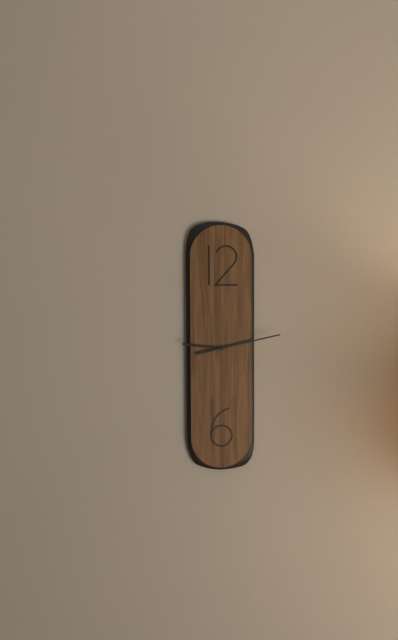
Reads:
h=9 m=13
